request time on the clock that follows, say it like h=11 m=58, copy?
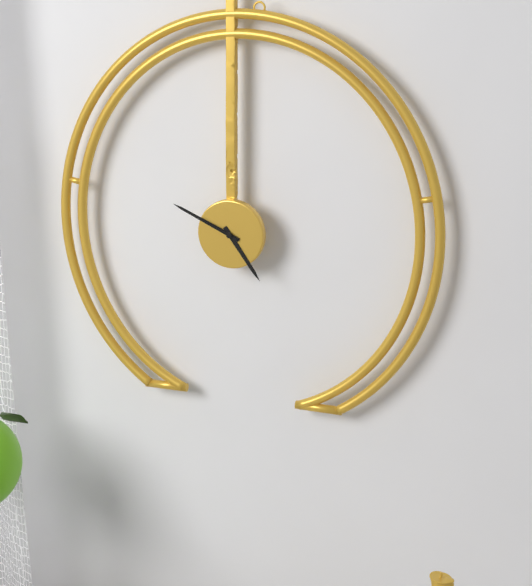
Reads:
h=4 m=49
